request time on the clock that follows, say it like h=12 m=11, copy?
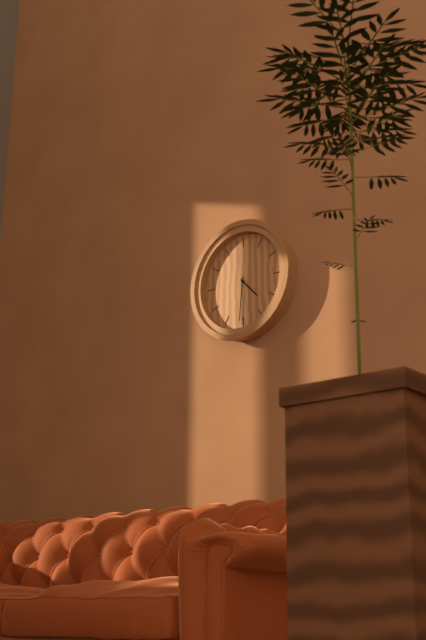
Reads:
h=4 m=31
